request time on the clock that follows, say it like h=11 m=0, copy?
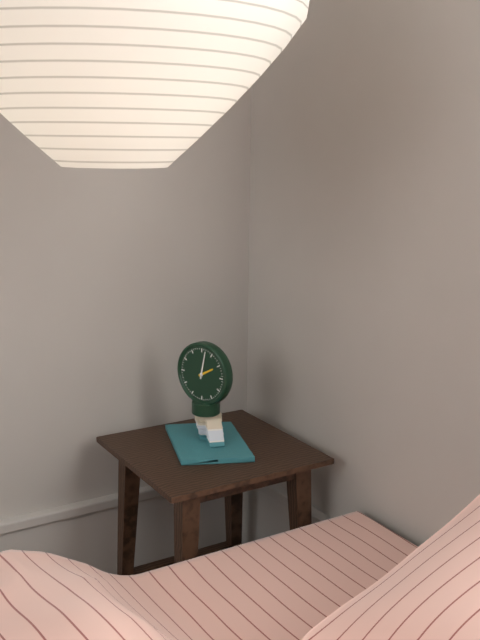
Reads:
h=2 m=2
